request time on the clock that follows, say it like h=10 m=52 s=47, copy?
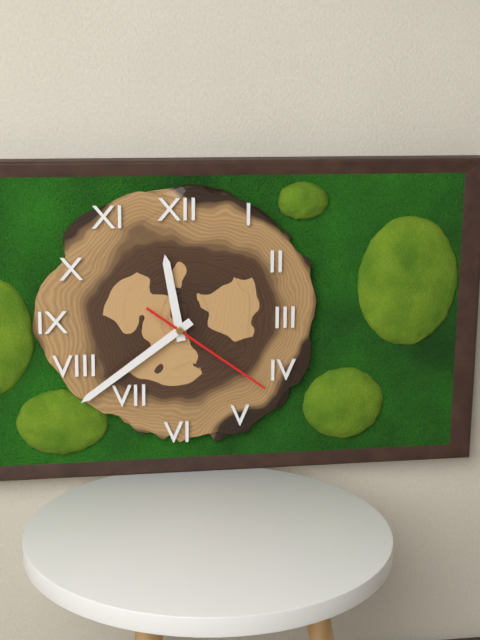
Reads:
h=11 m=39 s=21
